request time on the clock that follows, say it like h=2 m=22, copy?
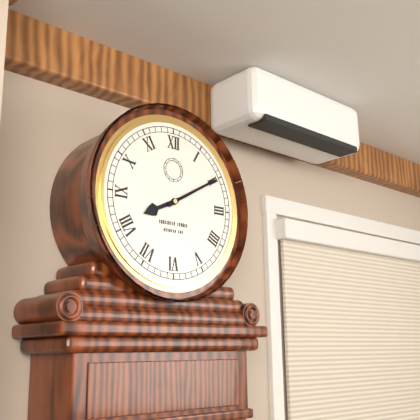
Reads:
h=8 m=10
